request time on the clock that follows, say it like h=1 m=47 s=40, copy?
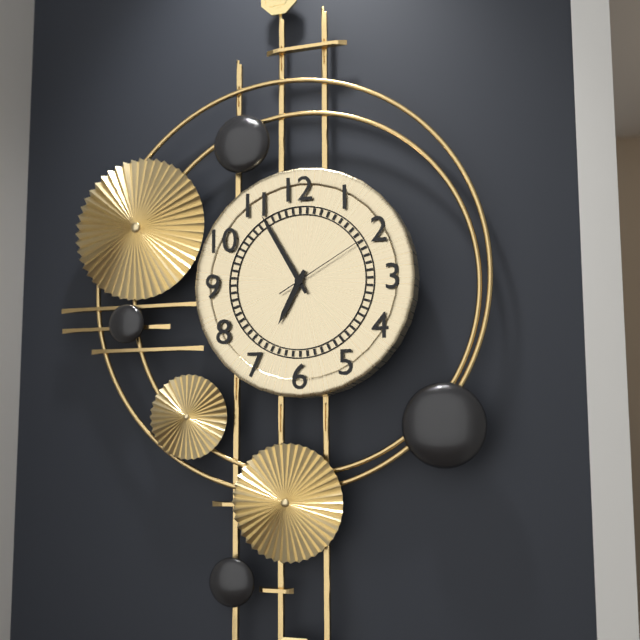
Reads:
h=6 m=55 s=10
